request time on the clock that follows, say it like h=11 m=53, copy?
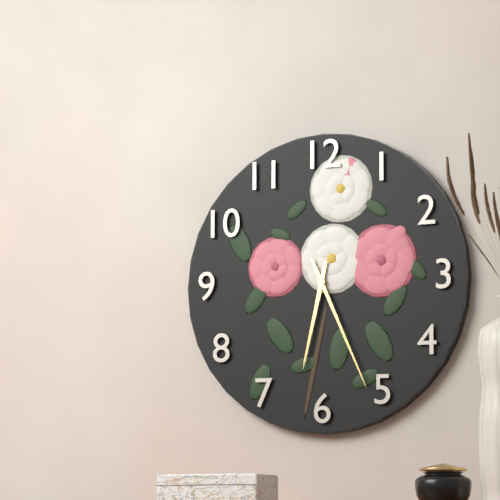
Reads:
h=6 m=26
